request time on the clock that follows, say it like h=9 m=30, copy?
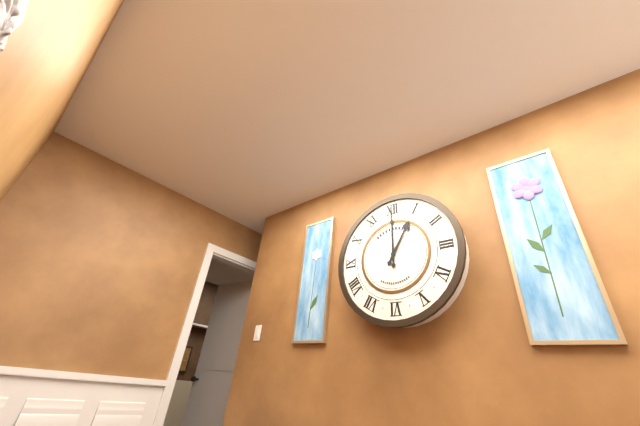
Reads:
h=1 m=0
